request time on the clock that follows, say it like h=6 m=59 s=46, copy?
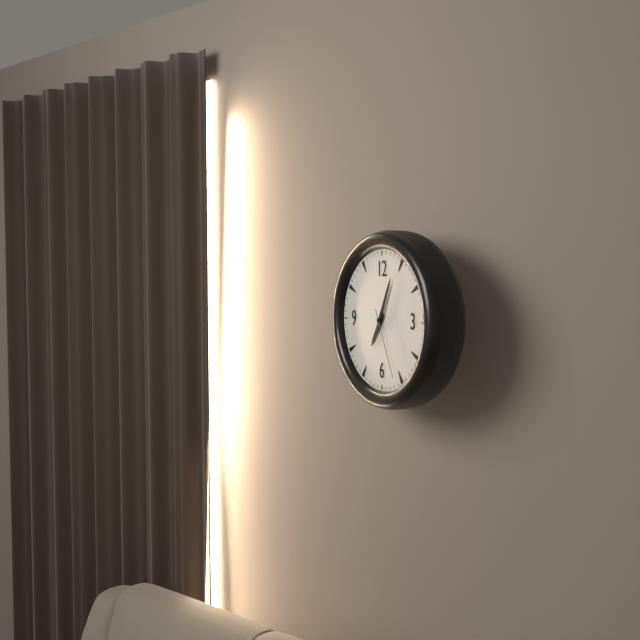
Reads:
h=7 m=4 s=26
